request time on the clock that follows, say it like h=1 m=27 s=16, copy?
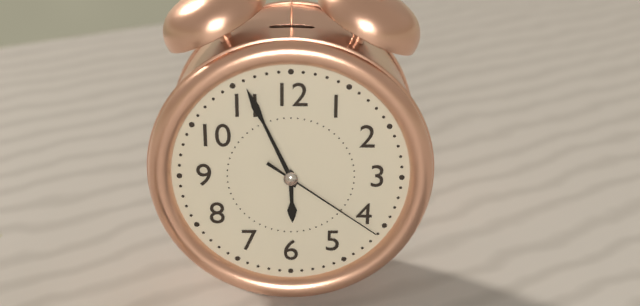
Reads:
h=5 m=56 s=21
